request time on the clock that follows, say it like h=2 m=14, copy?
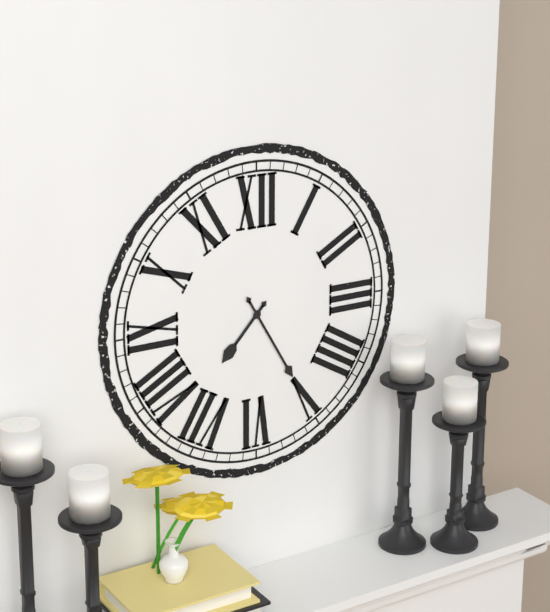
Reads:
h=7 m=25
